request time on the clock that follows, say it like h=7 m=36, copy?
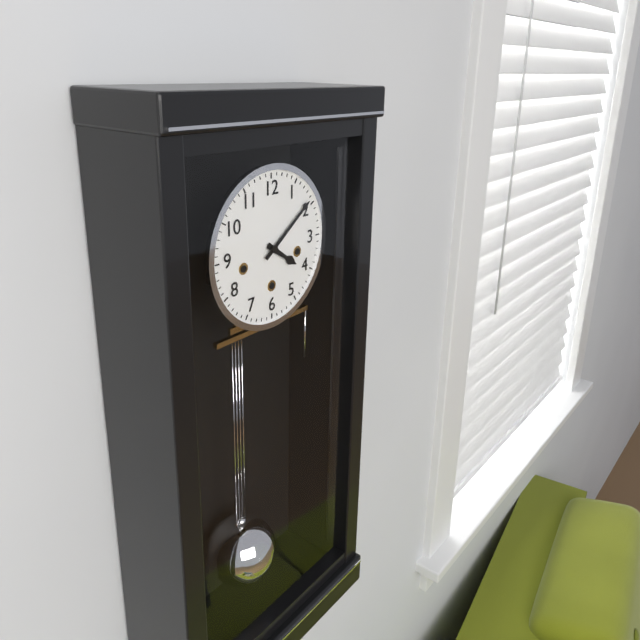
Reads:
h=4 m=9
